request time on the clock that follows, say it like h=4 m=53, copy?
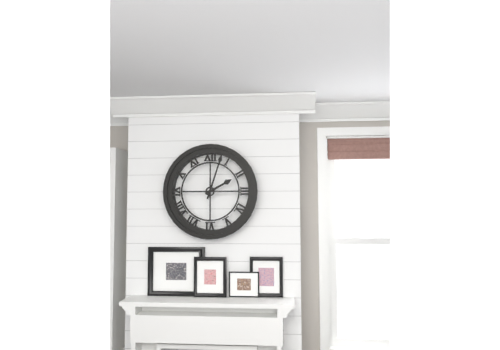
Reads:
h=2 m=3
